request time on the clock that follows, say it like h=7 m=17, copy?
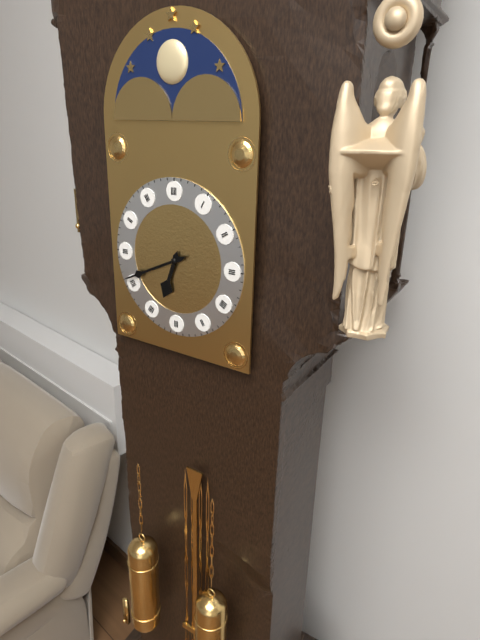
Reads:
h=6 m=41
